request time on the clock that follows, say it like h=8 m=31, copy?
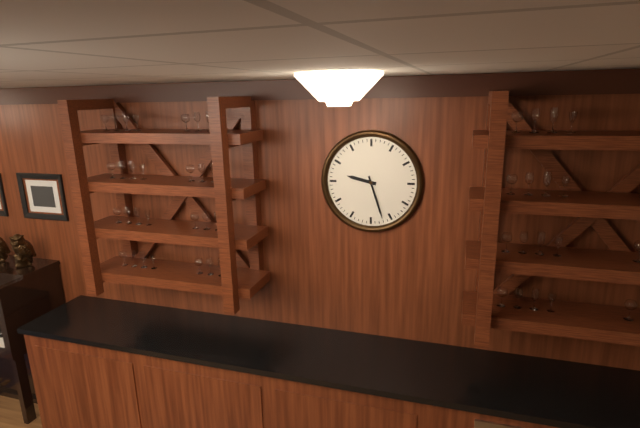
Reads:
h=9 m=27
